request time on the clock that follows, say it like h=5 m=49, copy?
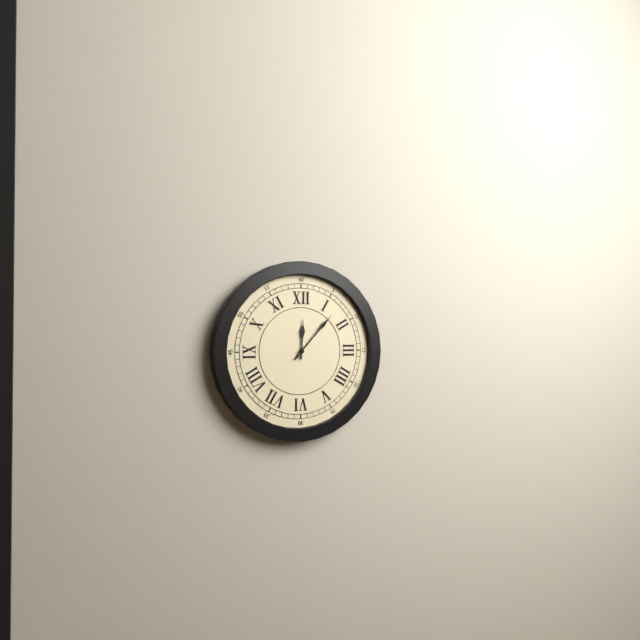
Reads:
h=12 m=7
